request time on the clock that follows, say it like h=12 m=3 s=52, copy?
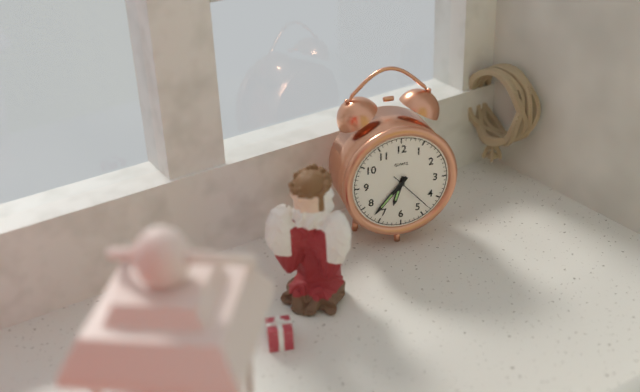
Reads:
h=6 m=37 s=23
